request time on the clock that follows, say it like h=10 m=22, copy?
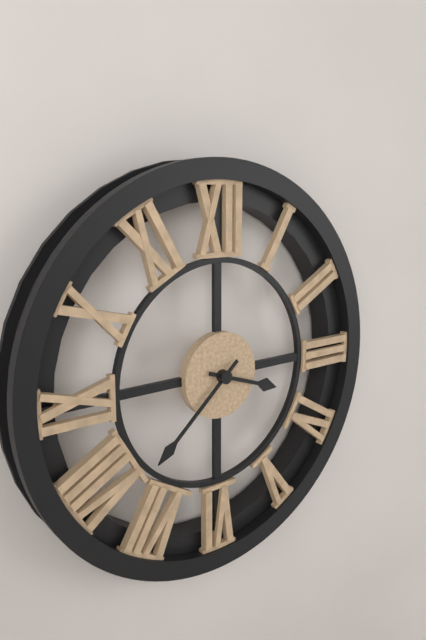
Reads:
h=3 m=38
